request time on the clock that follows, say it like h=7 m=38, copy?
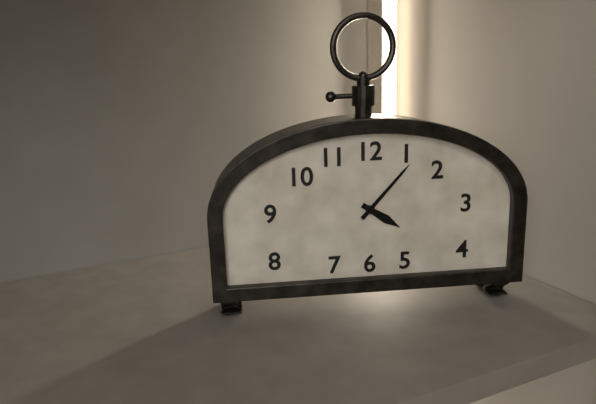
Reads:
h=4 m=7
